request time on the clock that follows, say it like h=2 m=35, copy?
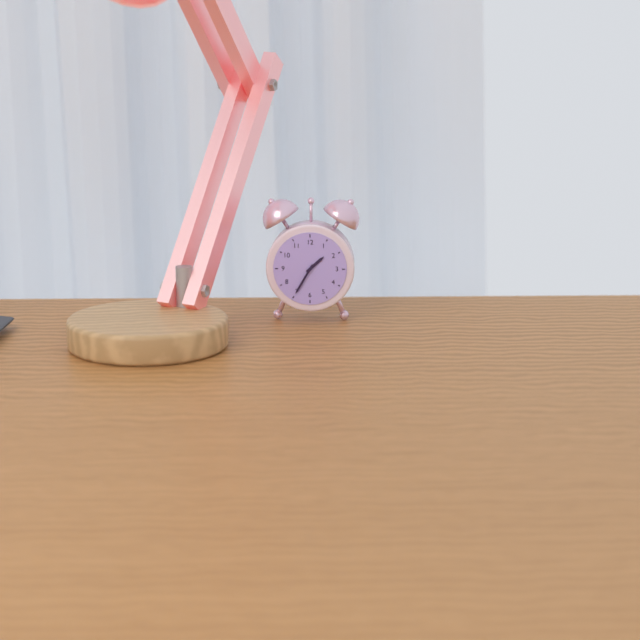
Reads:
h=1 m=35
